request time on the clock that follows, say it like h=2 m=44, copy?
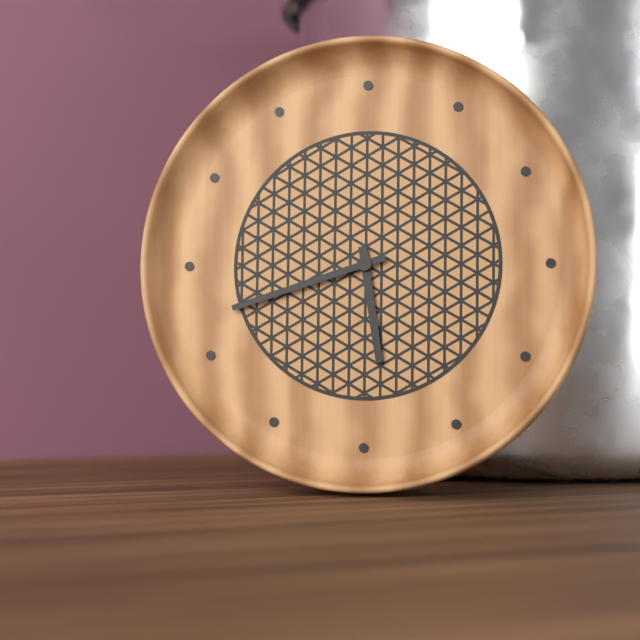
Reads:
h=5 m=42
